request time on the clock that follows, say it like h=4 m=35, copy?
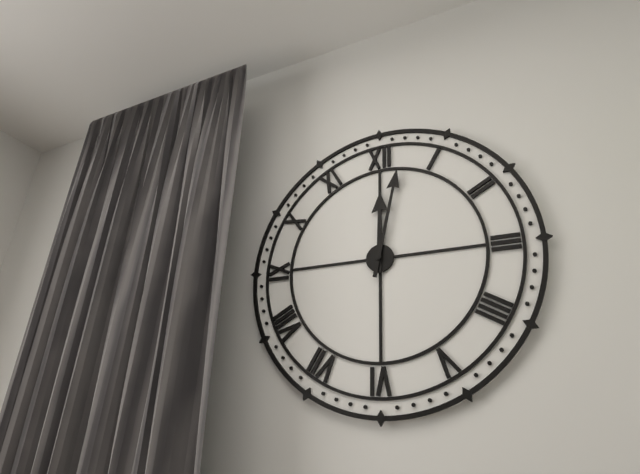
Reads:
h=12 m=2
